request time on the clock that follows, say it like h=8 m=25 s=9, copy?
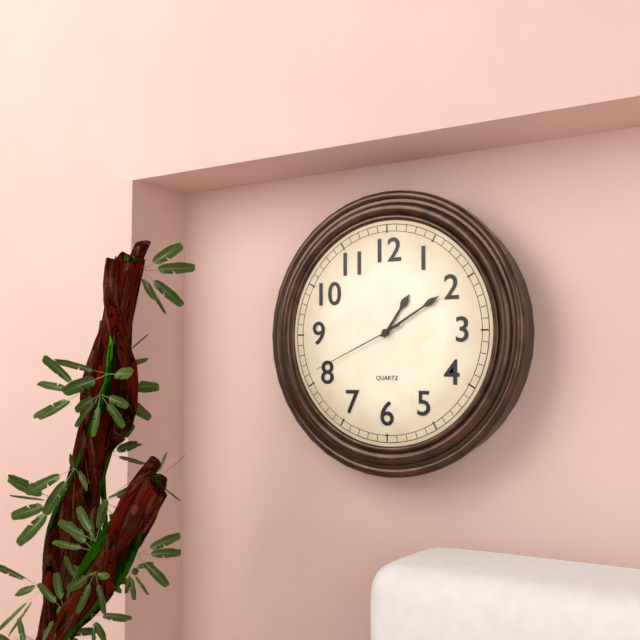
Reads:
h=1 m=10 s=41
